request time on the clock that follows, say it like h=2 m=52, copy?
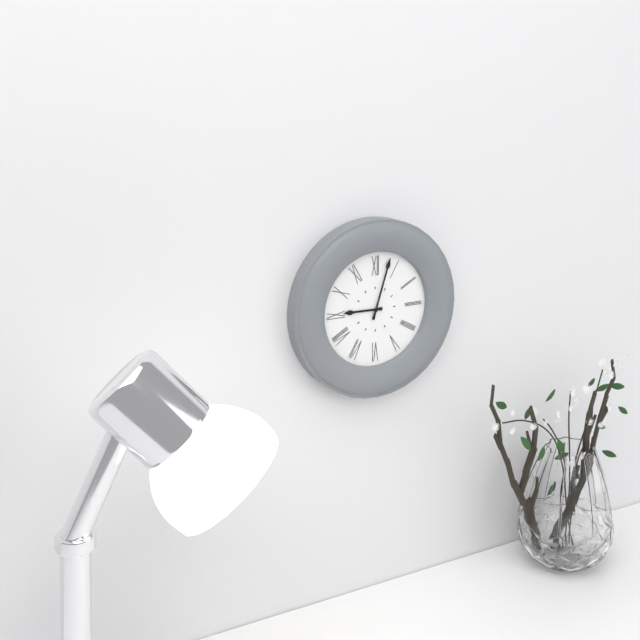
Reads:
h=9 m=3
